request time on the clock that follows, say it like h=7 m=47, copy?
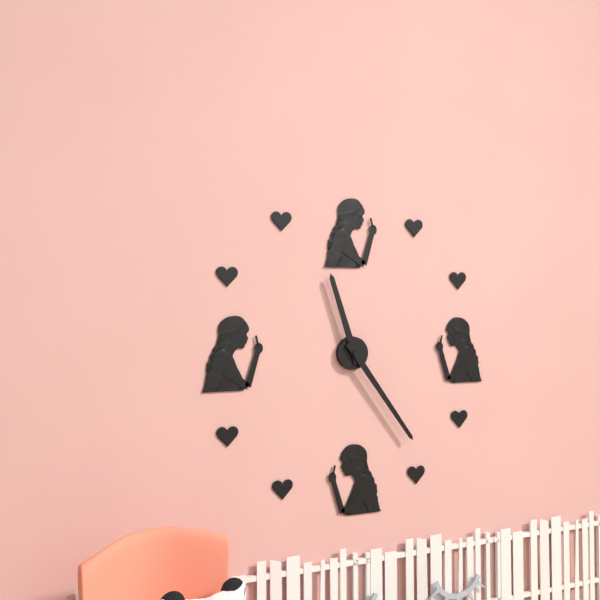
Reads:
h=11 m=24
